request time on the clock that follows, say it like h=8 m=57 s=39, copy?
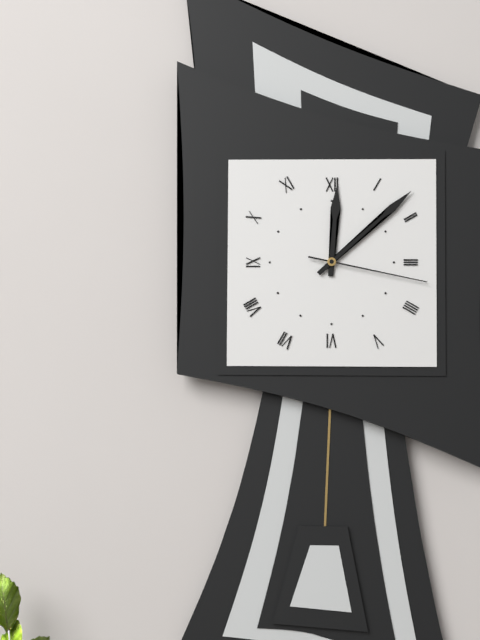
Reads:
h=12 m=8 s=17
